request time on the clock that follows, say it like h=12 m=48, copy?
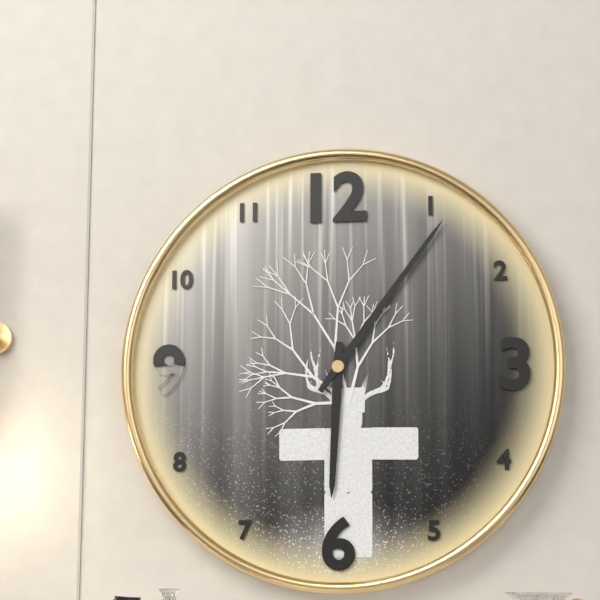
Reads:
h=6 m=6
